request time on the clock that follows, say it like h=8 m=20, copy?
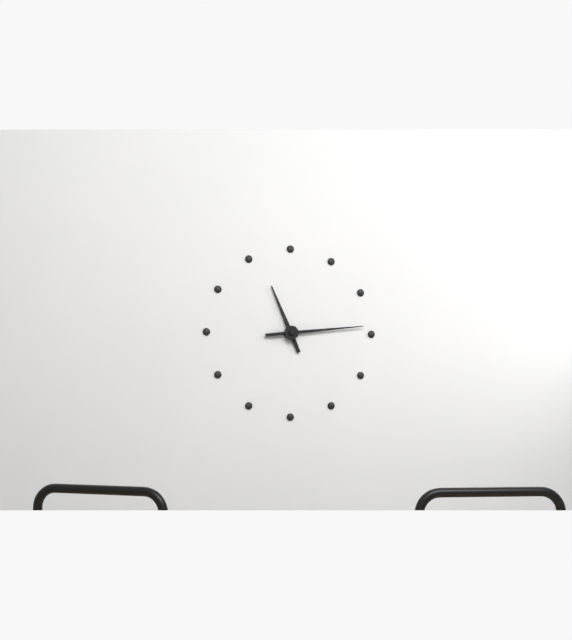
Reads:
h=11 m=14
